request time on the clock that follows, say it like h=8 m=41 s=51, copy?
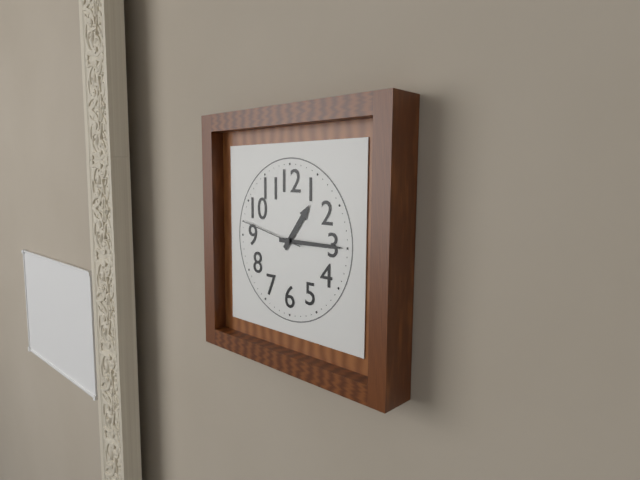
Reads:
h=1 m=15 s=47
